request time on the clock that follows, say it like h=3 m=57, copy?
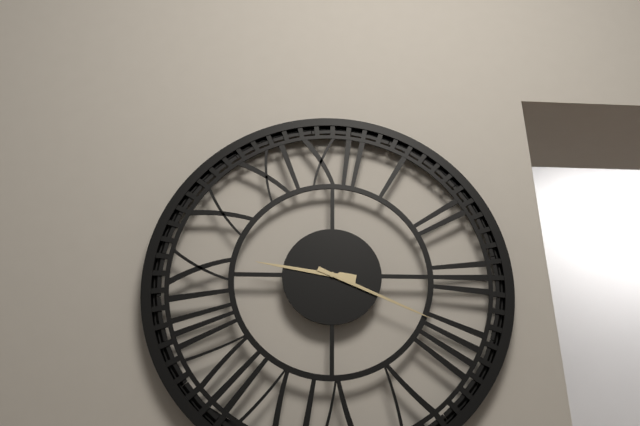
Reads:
h=9 m=19
